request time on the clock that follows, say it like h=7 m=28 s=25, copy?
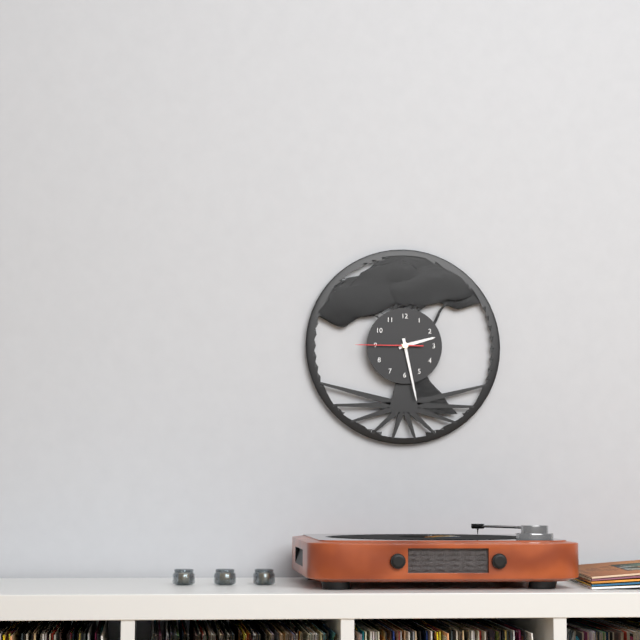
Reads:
h=2 m=28 s=45
